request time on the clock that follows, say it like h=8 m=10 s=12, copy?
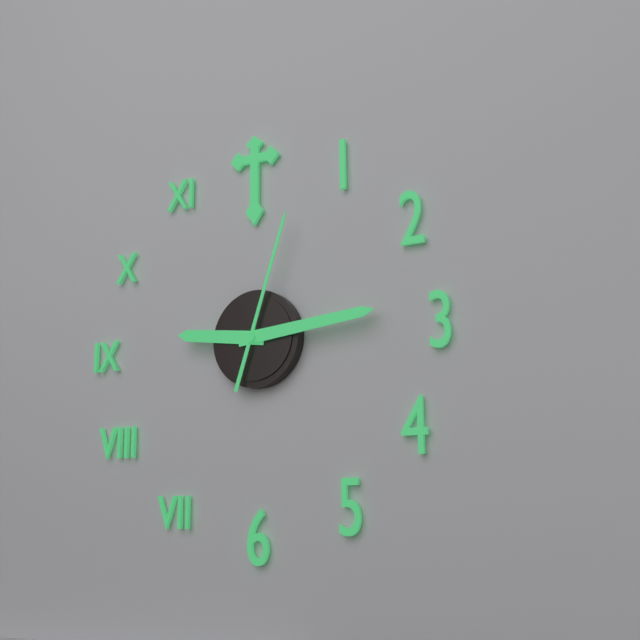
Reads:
h=9 m=14 s=3
